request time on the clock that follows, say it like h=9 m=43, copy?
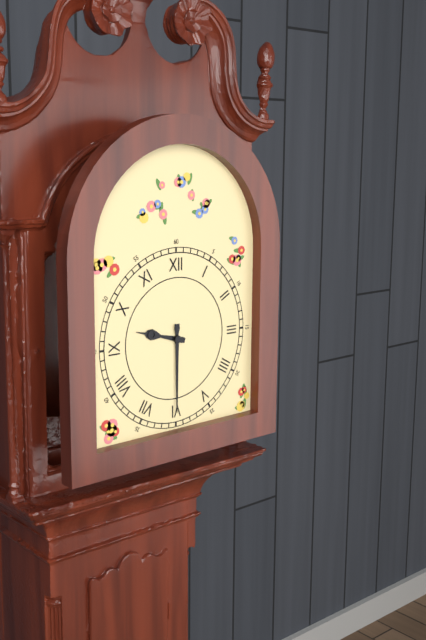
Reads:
h=9 m=30
